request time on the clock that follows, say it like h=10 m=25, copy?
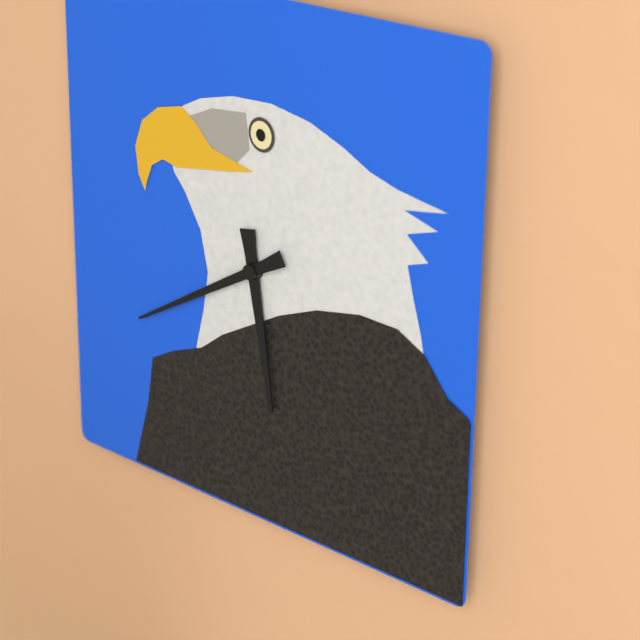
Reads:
h=5 m=40
